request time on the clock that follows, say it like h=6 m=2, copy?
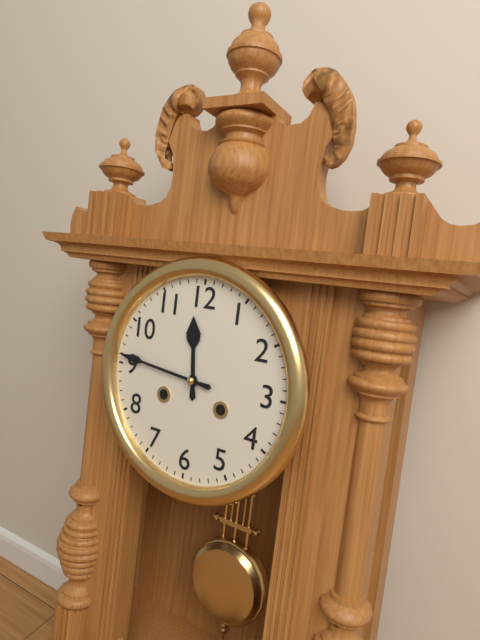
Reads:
h=11 m=46
